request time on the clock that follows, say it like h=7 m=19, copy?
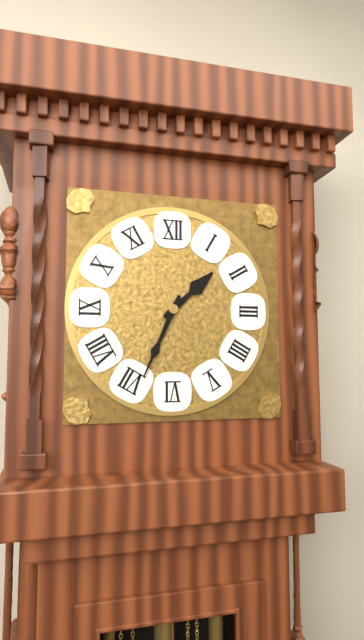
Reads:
h=1 m=34
